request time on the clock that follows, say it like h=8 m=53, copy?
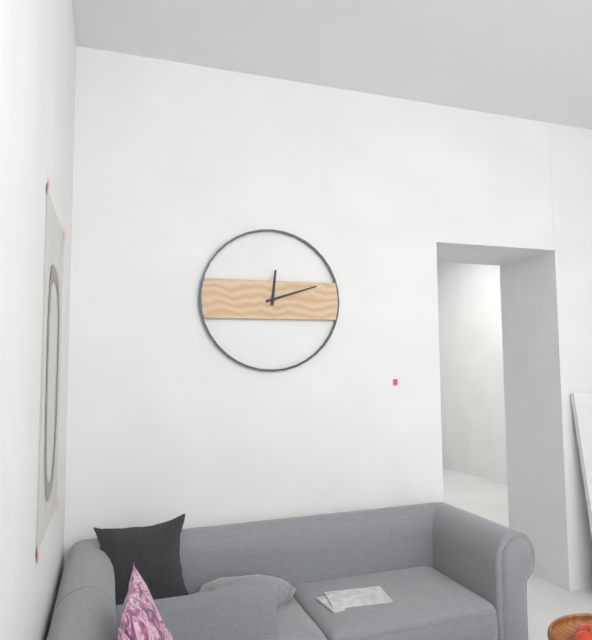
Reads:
h=12 m=12
